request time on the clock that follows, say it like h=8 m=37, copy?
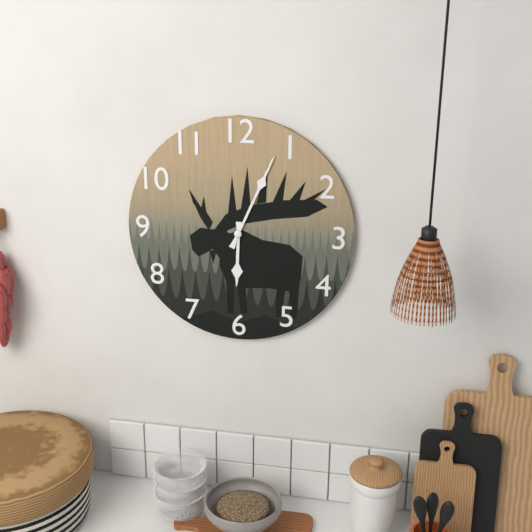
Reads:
h=6 m=4
